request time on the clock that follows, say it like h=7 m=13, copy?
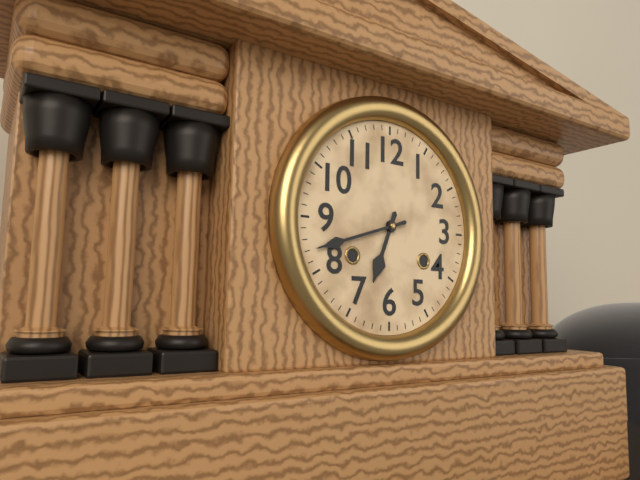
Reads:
h=6 m=42
